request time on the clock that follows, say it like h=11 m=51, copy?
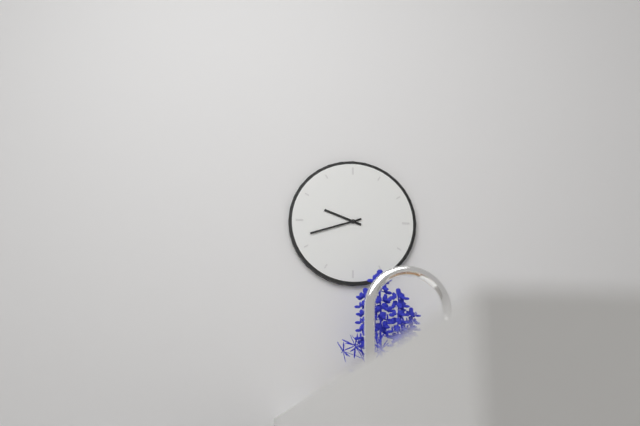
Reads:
h=9 m=42
